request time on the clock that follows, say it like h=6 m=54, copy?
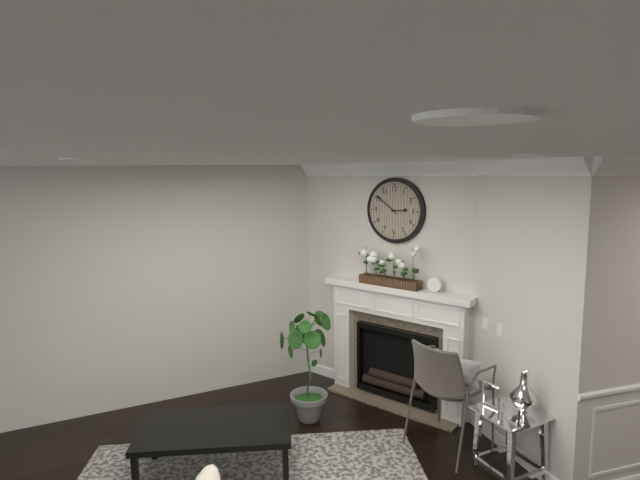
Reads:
h=2 m=51
